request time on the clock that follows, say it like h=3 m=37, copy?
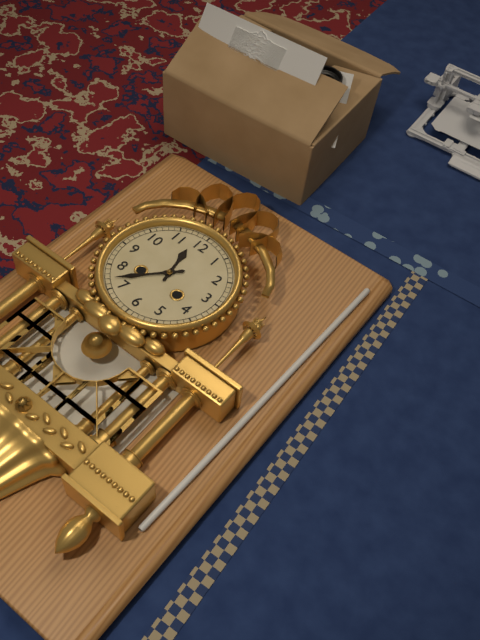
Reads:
h=11 m=37
